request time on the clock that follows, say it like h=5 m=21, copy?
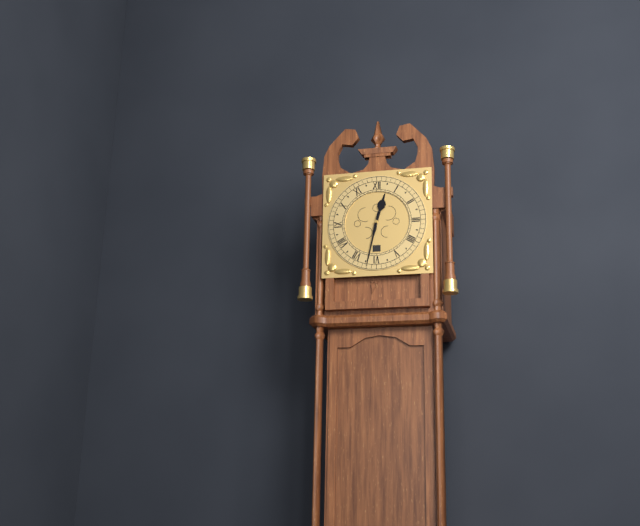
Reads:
h=12 m=32
